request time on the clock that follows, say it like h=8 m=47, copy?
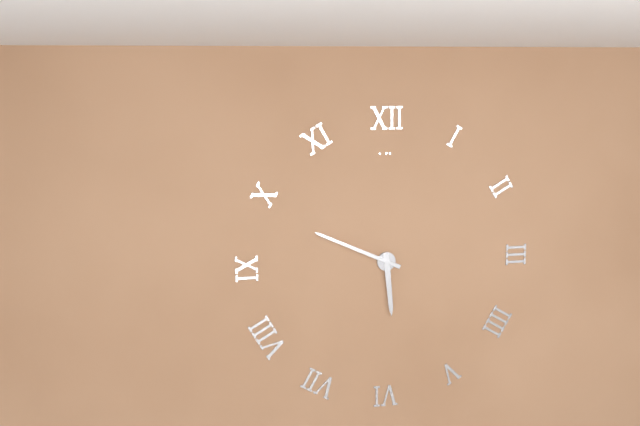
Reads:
h=5 m=49
